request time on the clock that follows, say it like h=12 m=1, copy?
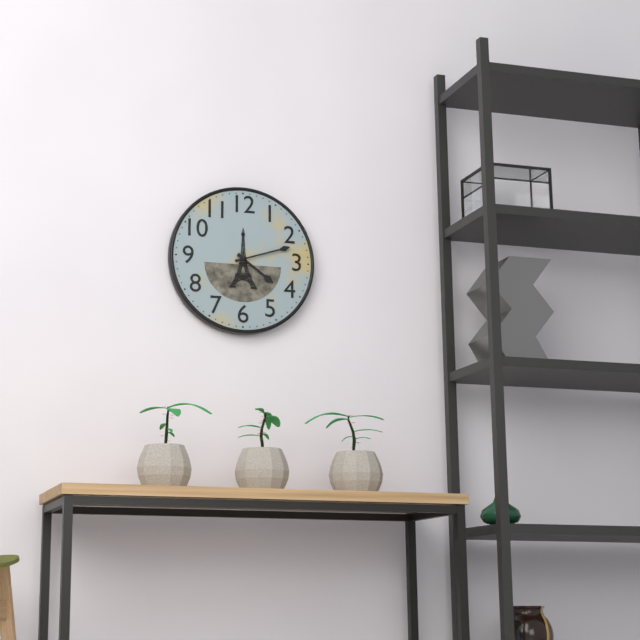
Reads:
h=4 m=12
